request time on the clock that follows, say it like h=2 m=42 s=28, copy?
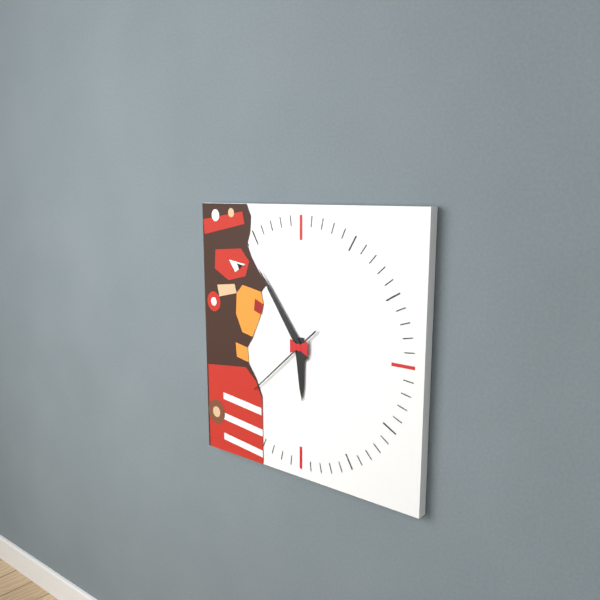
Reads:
h=5 m=54 s=38
